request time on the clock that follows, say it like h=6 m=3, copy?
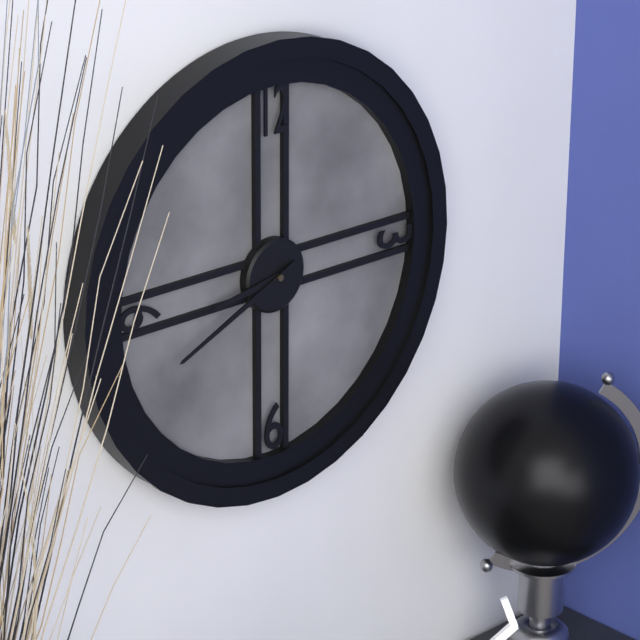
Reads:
h=8 m=41
